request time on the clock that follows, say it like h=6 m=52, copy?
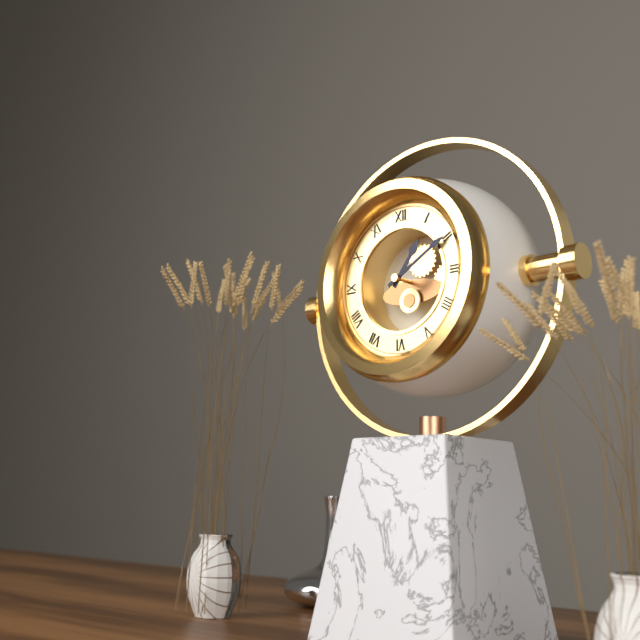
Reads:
h=1 m=10
